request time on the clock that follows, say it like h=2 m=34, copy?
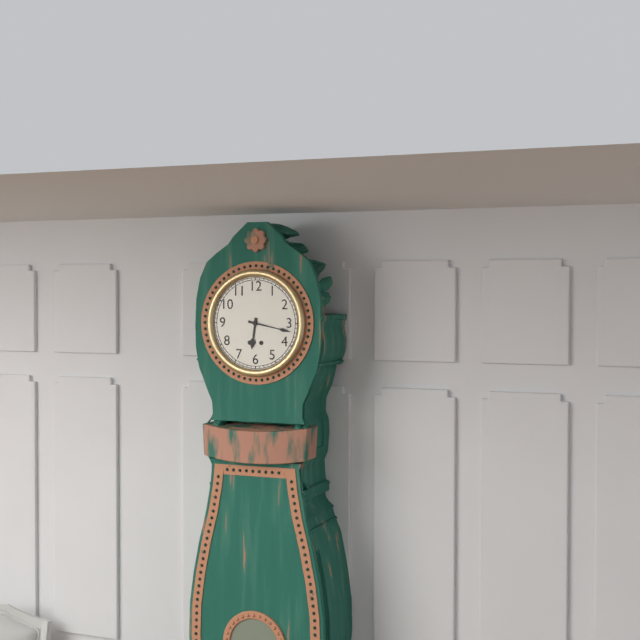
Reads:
h=6 m=17
